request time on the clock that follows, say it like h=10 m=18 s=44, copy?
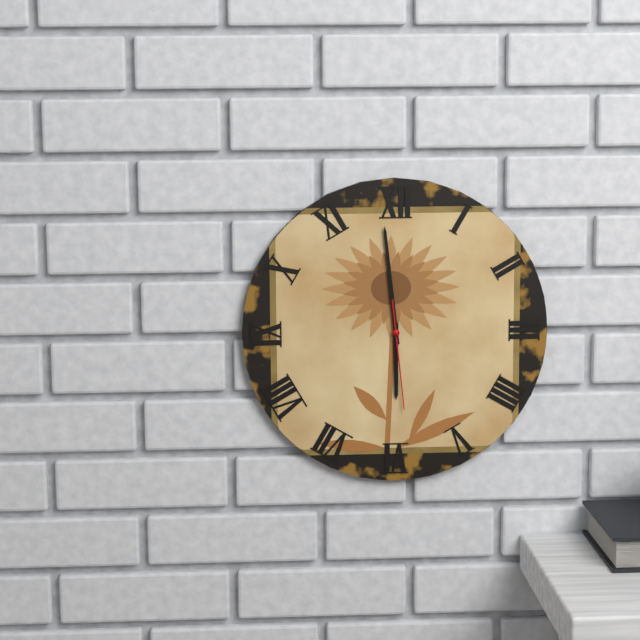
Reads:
h=5 m=59 s=29
